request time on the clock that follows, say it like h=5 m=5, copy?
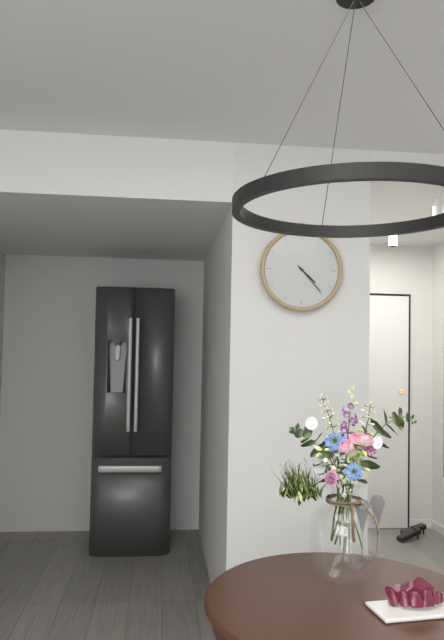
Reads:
h=4 m=23
